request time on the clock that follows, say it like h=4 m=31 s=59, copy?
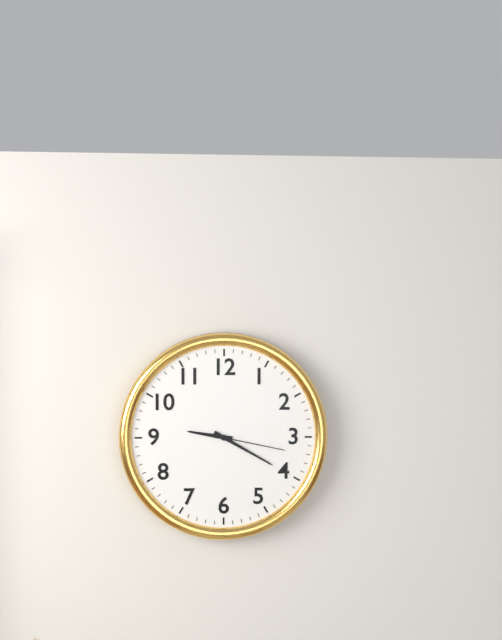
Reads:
h=9 m=20 s=17
